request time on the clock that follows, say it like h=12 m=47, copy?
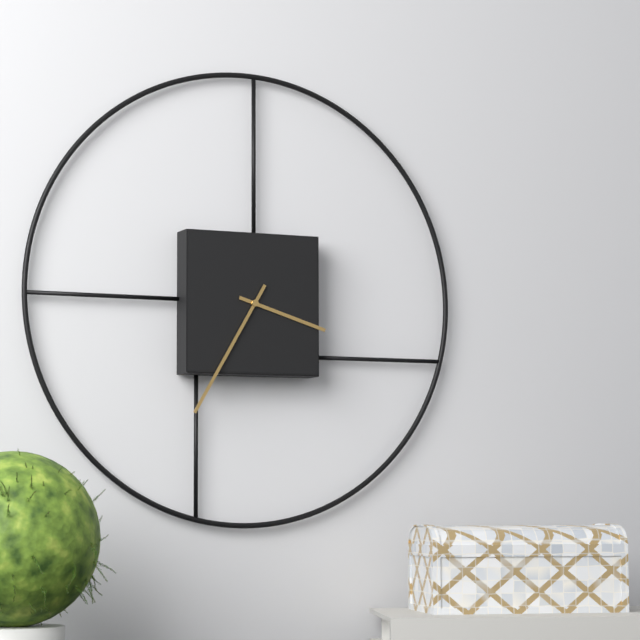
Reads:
h=3 m=35
